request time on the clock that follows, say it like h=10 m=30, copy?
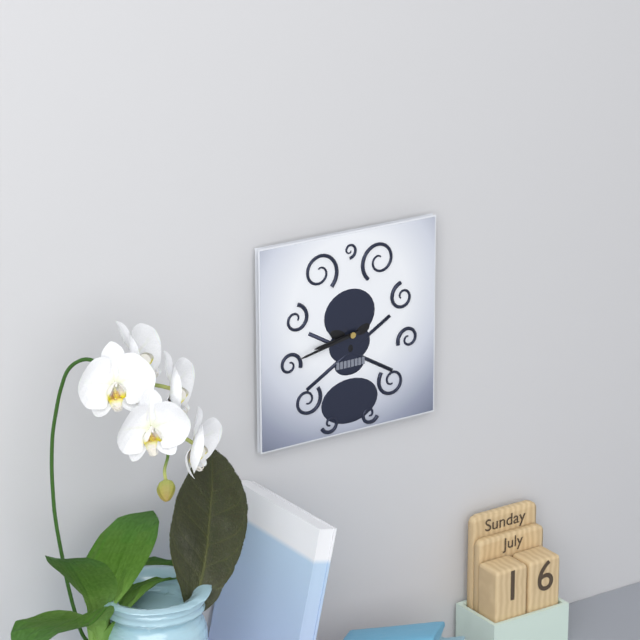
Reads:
h=8 m=43
